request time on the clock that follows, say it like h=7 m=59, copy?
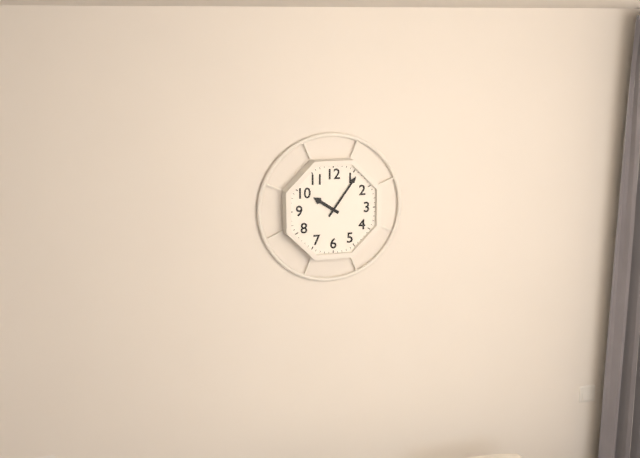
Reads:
h=10 m=6
